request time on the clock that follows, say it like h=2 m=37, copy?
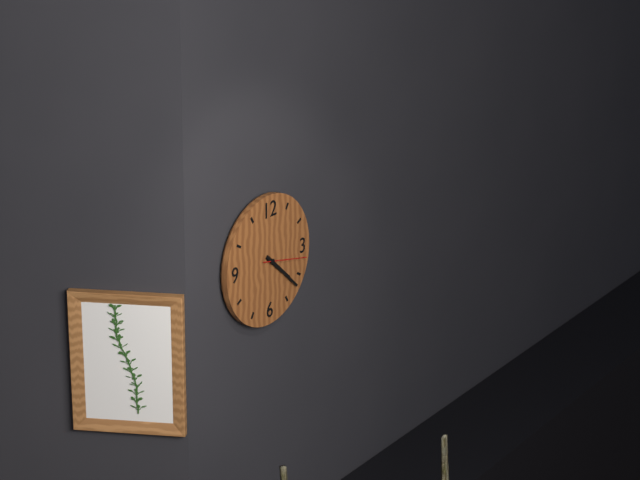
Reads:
h=4 m=22
